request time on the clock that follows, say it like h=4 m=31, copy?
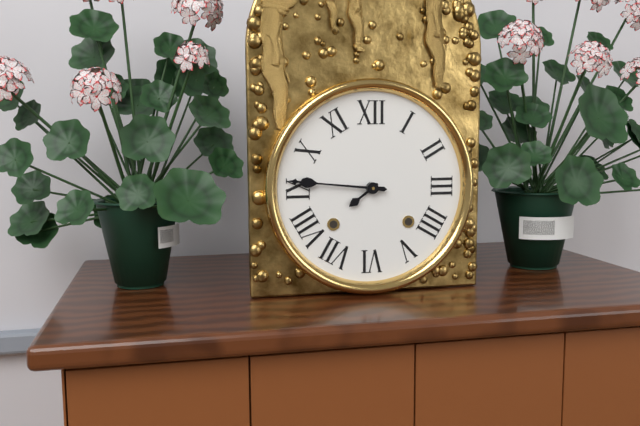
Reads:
h=7 m=46
